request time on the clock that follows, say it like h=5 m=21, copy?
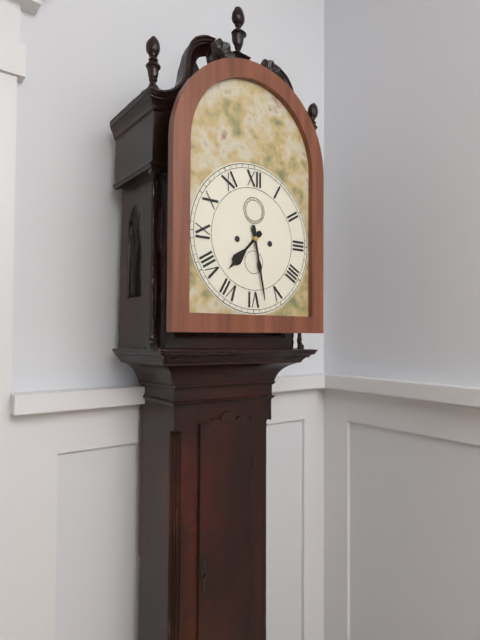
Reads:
h=7 m=28
